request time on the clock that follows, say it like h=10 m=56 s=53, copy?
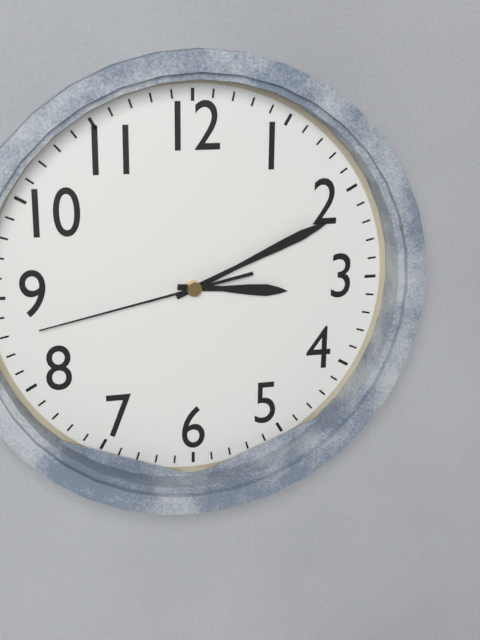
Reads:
h=3 m=11 s=43
